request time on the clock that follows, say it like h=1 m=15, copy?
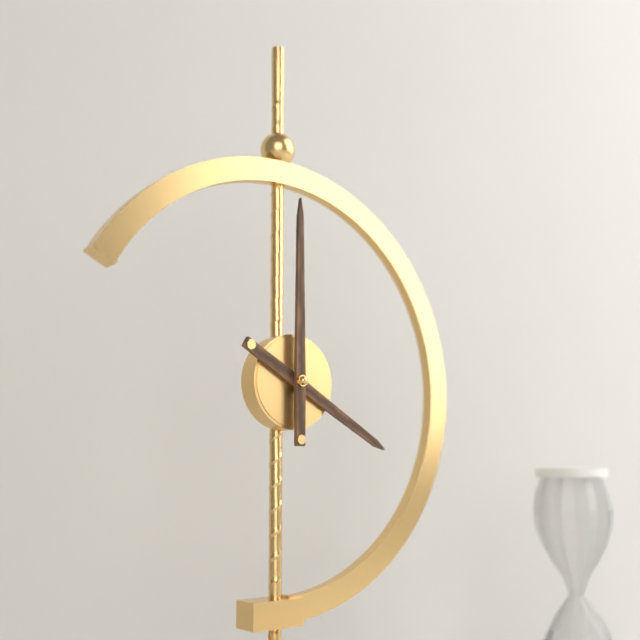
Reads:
h=4 m=0
